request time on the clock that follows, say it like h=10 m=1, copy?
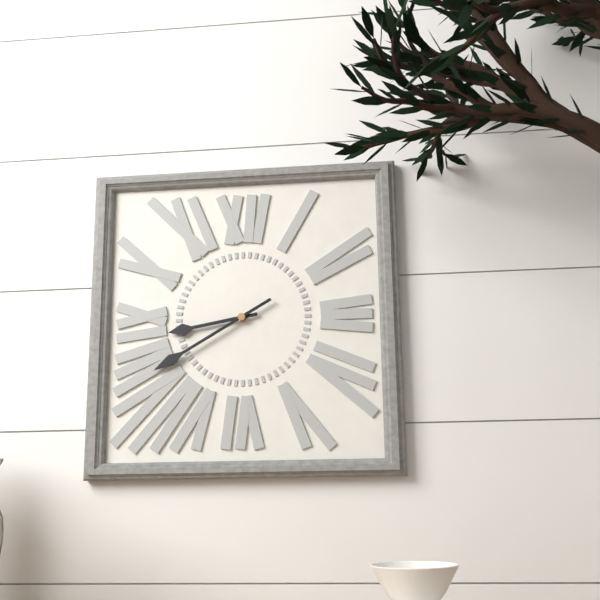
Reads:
h=8 m=40
